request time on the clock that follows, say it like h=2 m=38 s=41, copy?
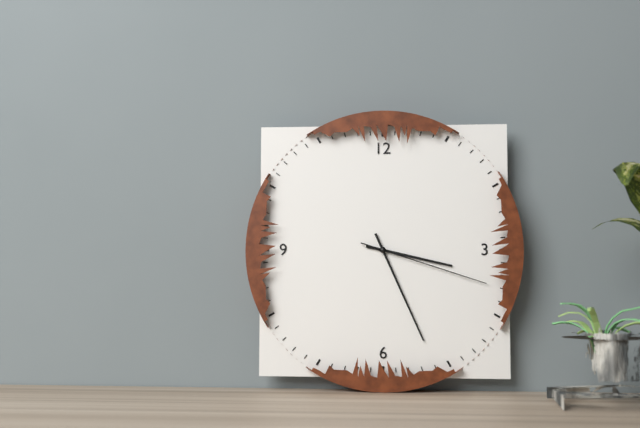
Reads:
h=3 m=26 s=18
